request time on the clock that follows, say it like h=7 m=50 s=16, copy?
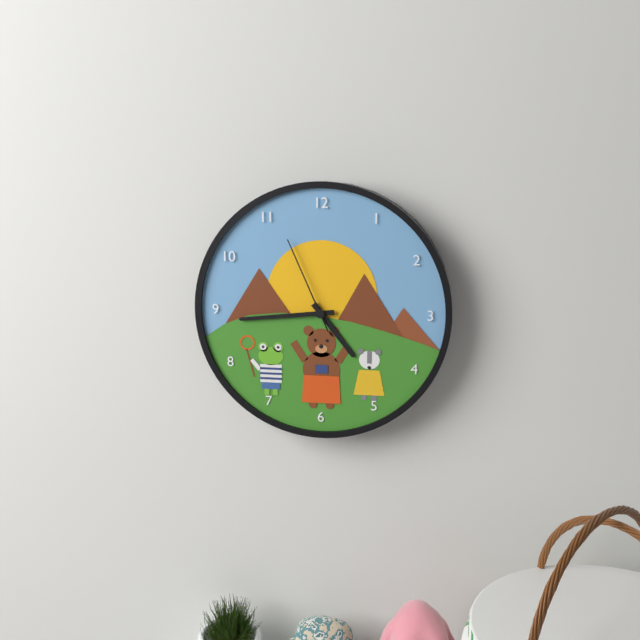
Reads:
h=4 m=44 s=56
